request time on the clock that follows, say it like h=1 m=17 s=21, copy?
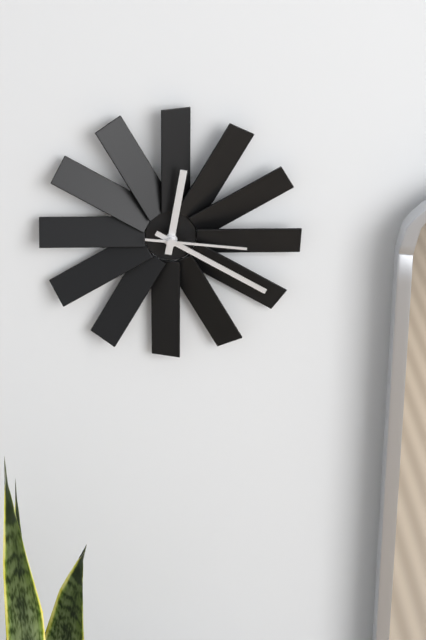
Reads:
h=12 m=20 s=16
